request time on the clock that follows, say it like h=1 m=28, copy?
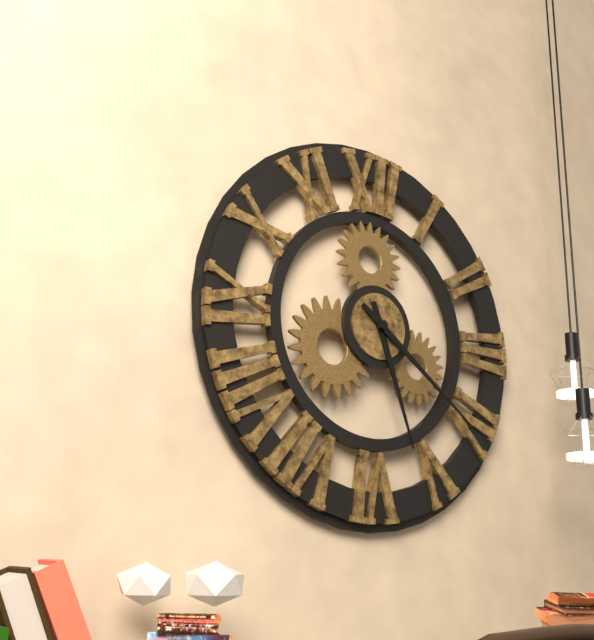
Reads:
h=5 m=21
